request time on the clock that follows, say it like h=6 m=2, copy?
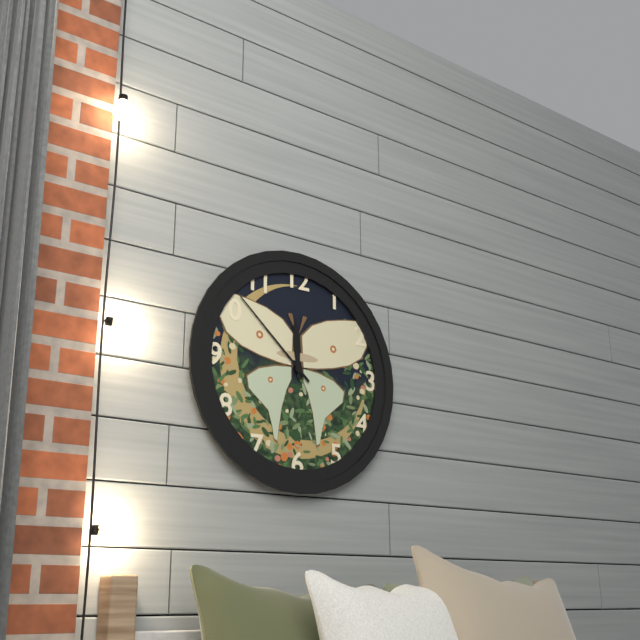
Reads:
h=11 m=52
